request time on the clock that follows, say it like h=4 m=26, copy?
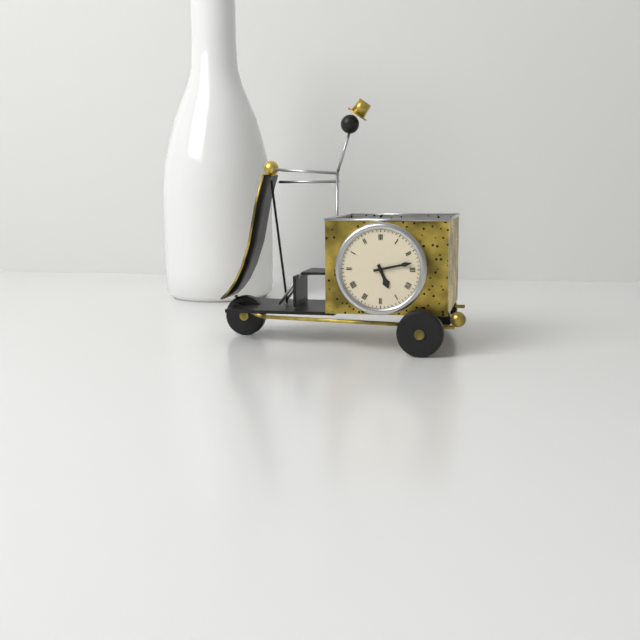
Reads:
h=5 m=13
